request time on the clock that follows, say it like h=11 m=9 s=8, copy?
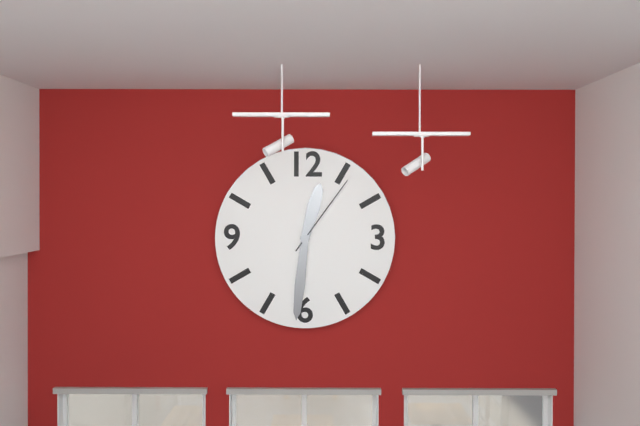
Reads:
h=12 m=31 s=6
